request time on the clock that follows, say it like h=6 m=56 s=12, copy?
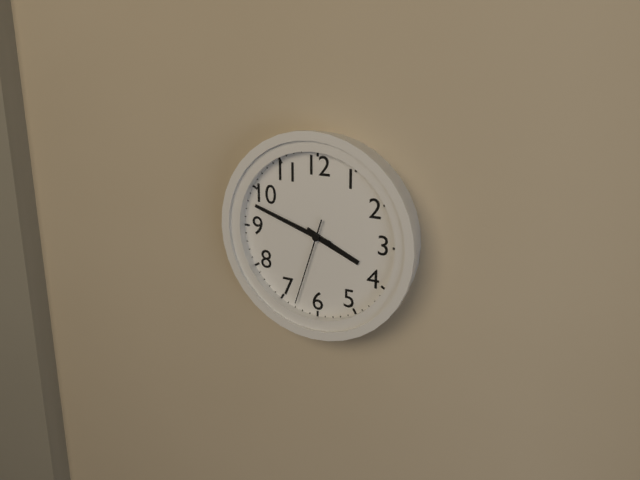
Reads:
h=3 m=48 s=33
